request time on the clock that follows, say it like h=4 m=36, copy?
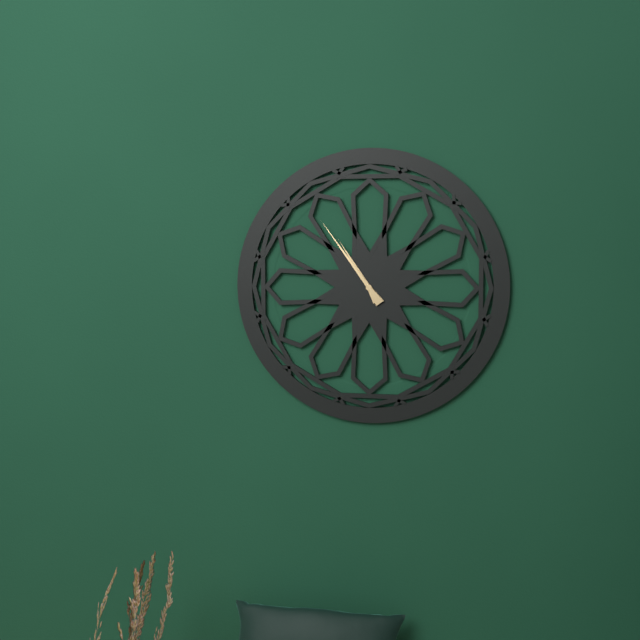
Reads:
h=10 m=54
